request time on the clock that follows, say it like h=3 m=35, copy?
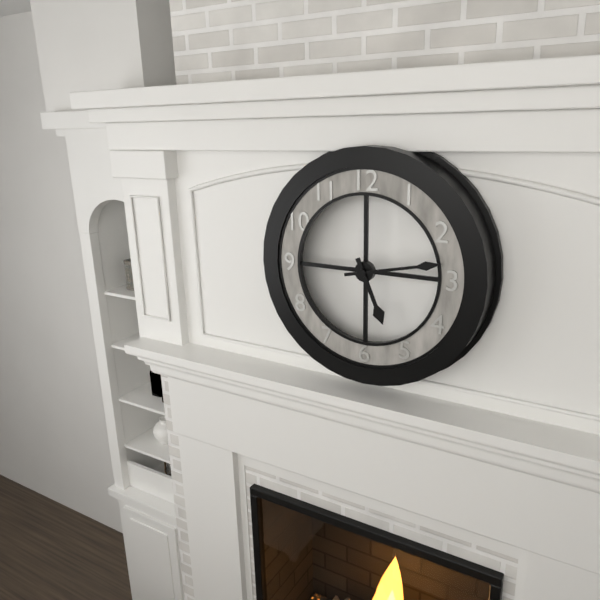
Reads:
h=5 m=13
